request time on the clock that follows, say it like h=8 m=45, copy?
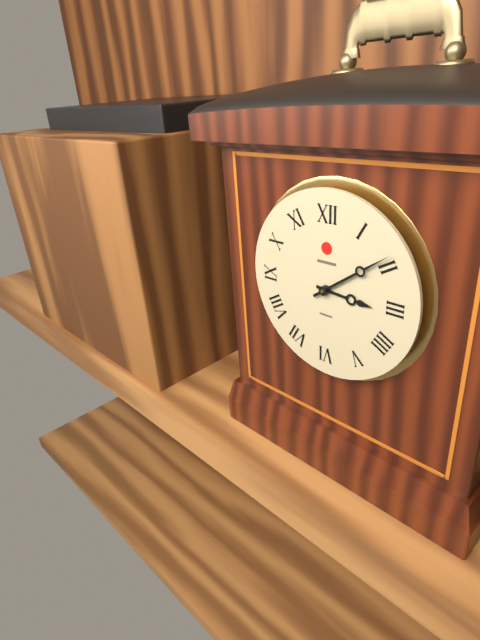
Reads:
h=3 m=9
